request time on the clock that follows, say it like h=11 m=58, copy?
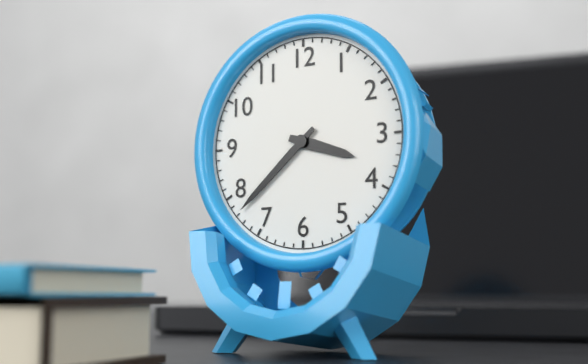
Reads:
h=3 m=38
